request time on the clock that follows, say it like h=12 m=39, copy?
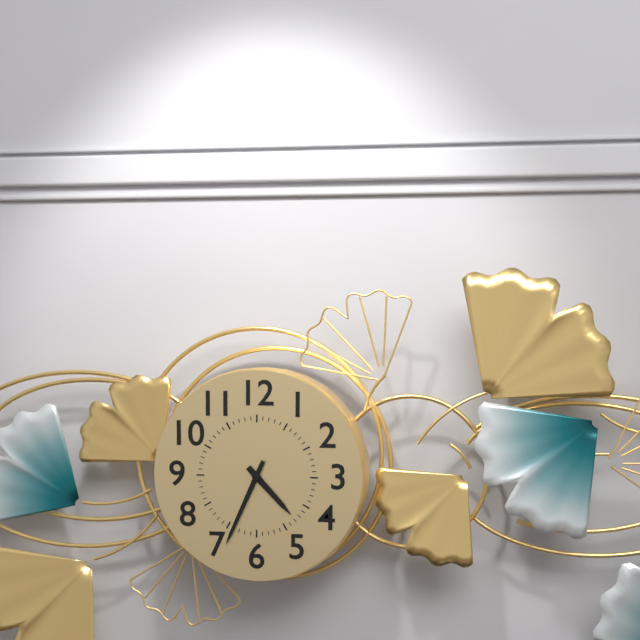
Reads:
h=4 m=34
